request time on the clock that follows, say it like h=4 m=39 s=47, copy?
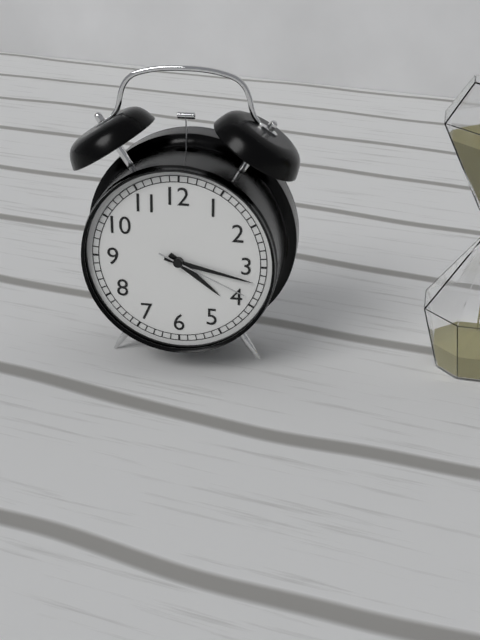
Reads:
h=4 m=17 s=19
